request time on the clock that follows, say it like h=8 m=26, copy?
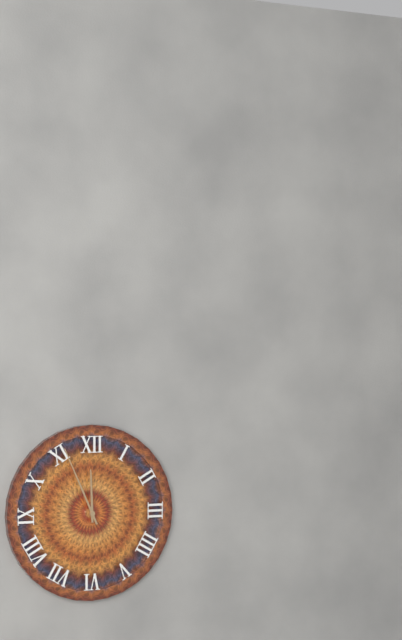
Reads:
h=11 m=56
